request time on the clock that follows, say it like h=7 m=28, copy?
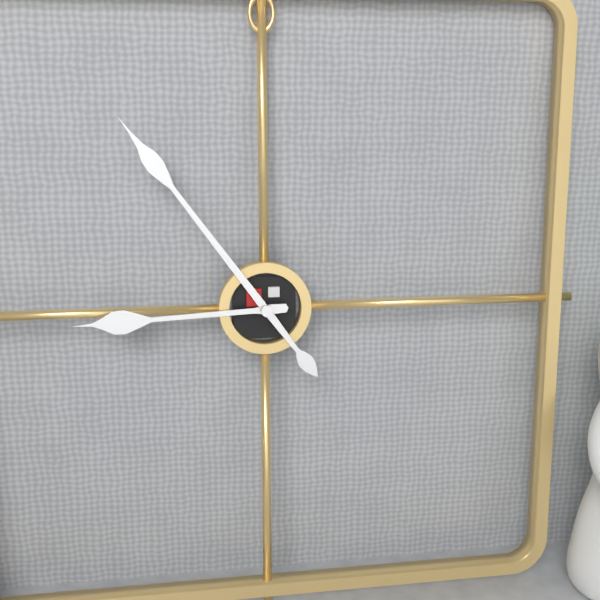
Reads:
h=8 m=54
